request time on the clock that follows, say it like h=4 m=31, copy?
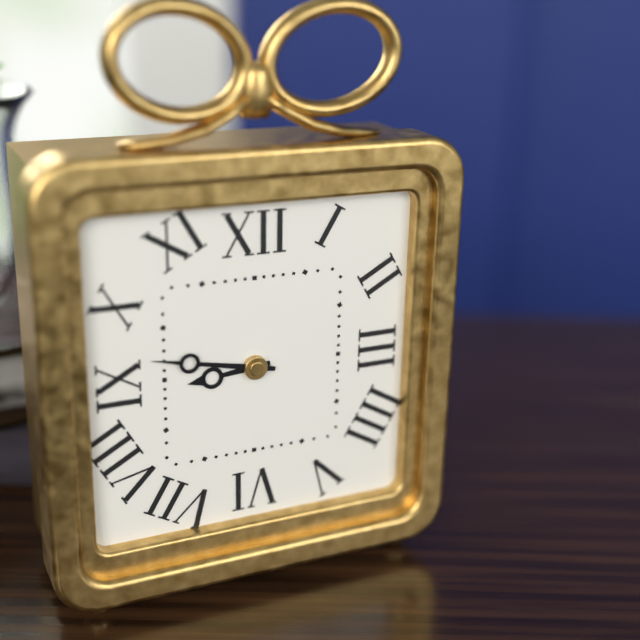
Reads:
h=8 m=47
